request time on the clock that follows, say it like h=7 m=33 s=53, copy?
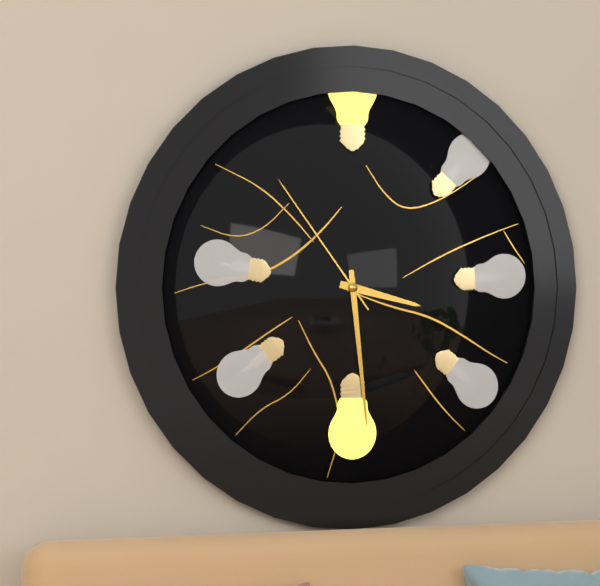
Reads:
h=3 m=29 s=54
